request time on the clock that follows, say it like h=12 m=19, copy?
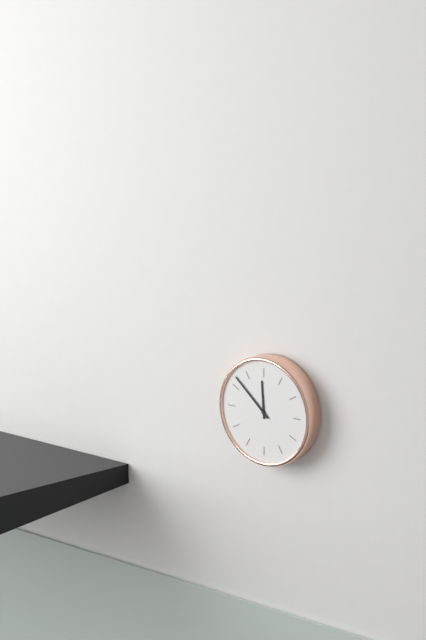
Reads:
h=11 m=52
